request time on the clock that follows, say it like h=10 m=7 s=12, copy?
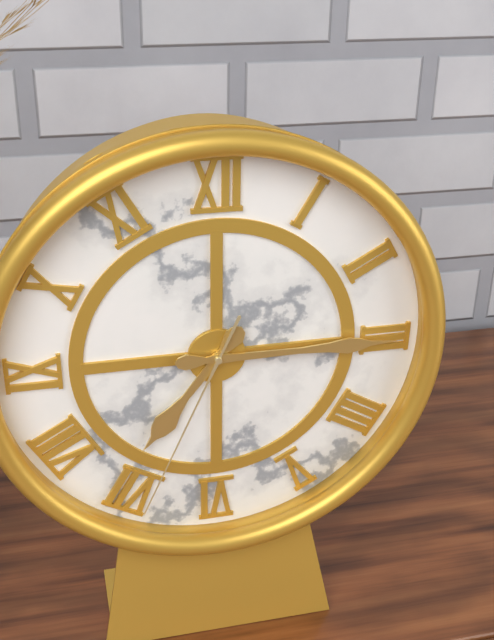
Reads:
h=7 m=15 s=34
